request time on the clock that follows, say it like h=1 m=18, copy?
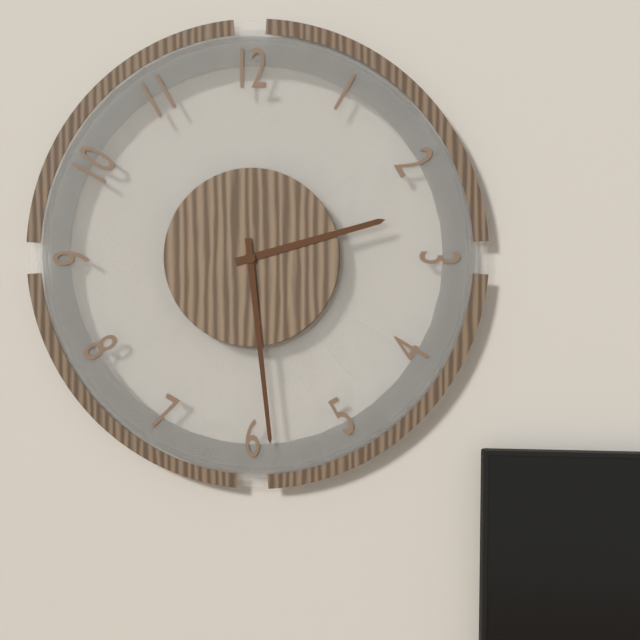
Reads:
h=2 m=29
